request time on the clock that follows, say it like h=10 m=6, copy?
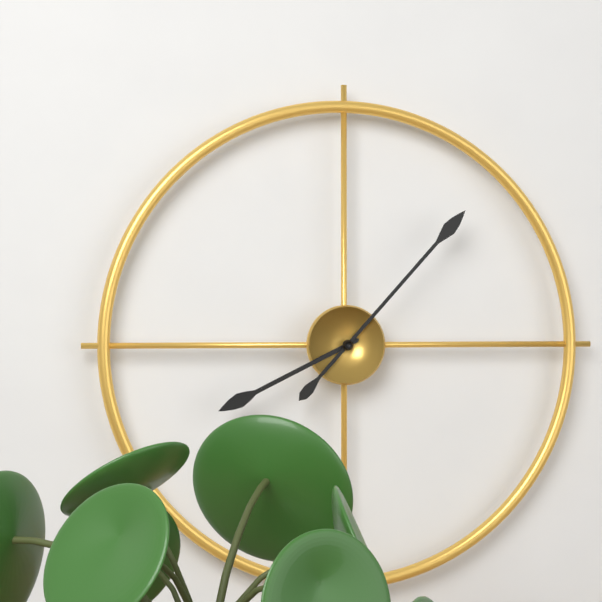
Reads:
h=8 m=7
